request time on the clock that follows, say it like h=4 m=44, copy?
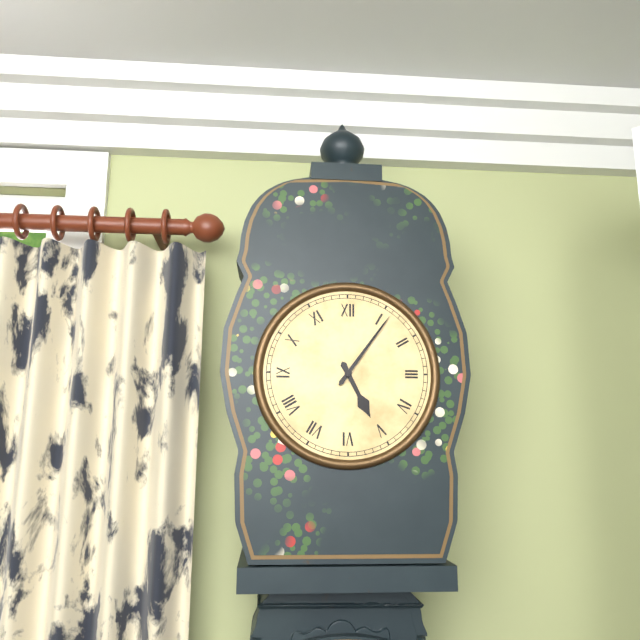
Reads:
h=5 m=6
